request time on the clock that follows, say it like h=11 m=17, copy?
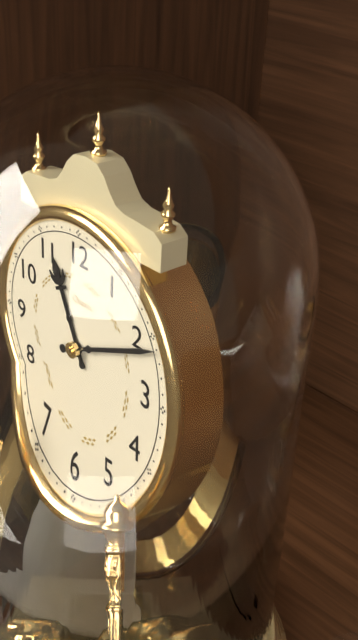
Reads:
h=11 m=11
